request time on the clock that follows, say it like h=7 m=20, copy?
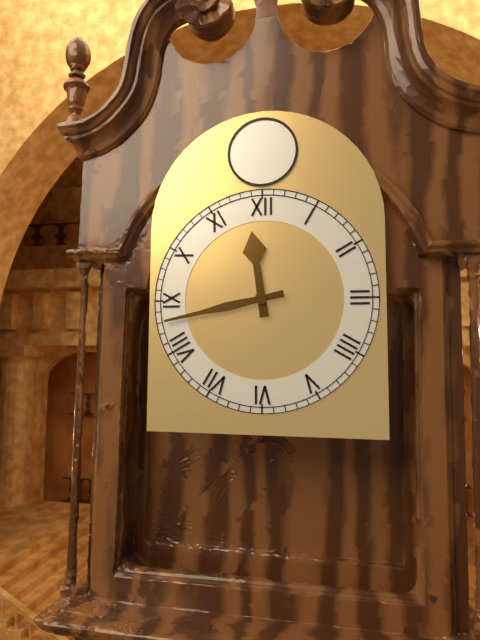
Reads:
h=11 m=43
